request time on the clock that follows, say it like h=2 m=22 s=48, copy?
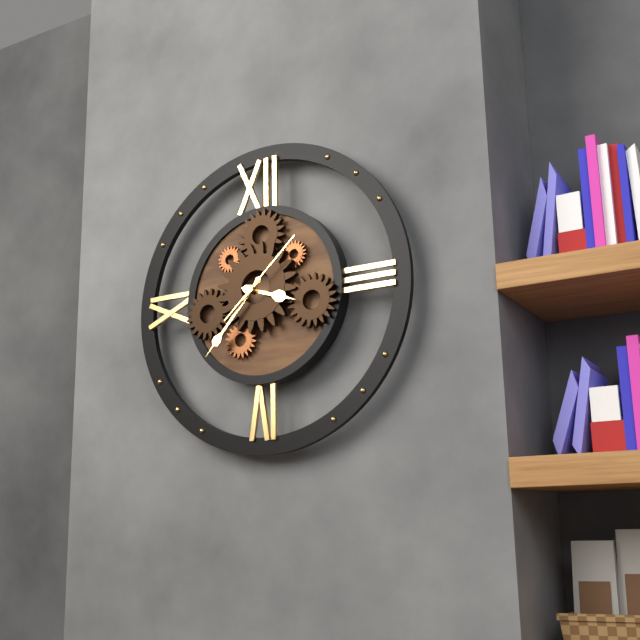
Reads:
h=3 m=37 s=8
